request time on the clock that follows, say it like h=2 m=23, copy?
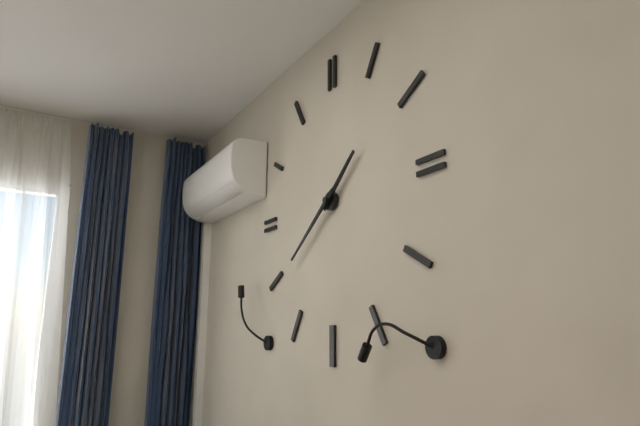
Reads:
h=1 m=39
